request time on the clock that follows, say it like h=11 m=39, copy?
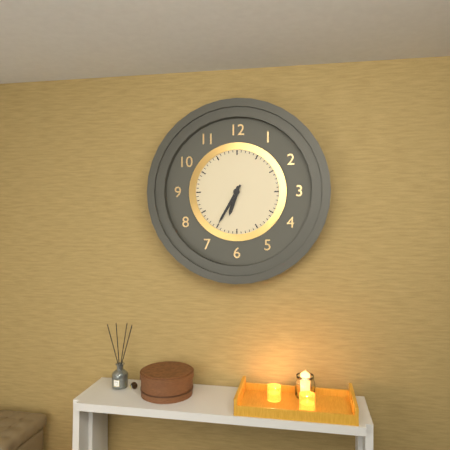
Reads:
h=6 m=35
